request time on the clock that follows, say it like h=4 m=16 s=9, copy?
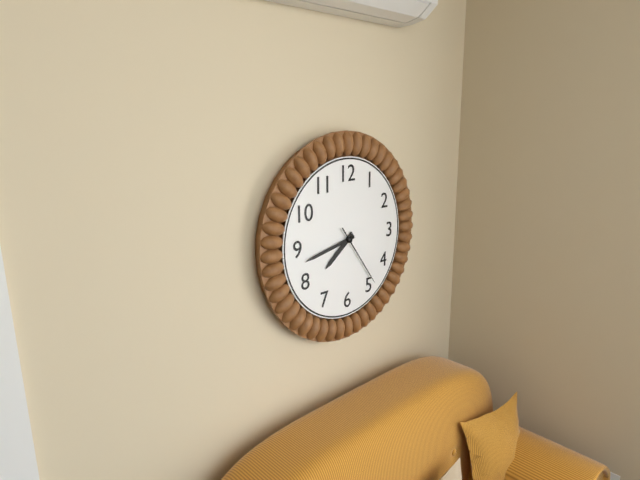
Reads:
h=7 m=43 s=24
